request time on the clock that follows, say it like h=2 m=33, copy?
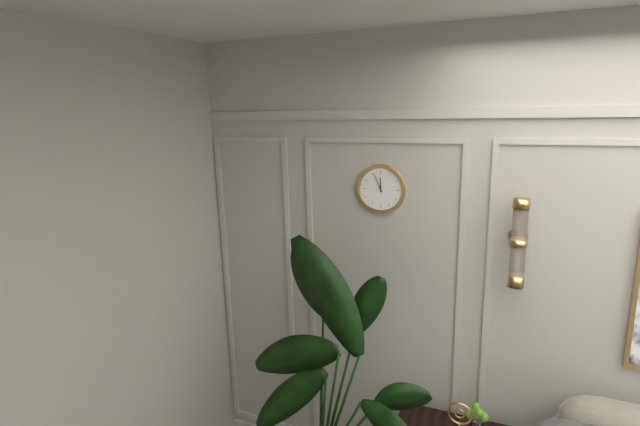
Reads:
h=11 m=56
